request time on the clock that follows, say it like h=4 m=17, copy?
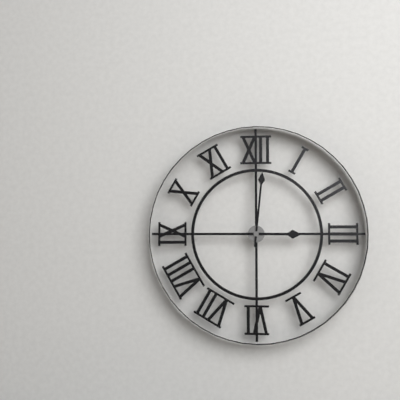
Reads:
h=3 m=1
